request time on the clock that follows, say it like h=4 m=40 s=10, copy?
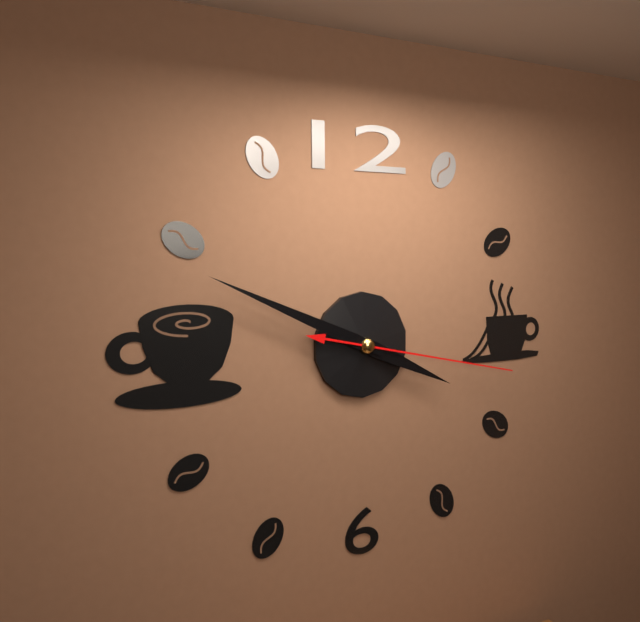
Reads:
h=3 m=49 s=17
